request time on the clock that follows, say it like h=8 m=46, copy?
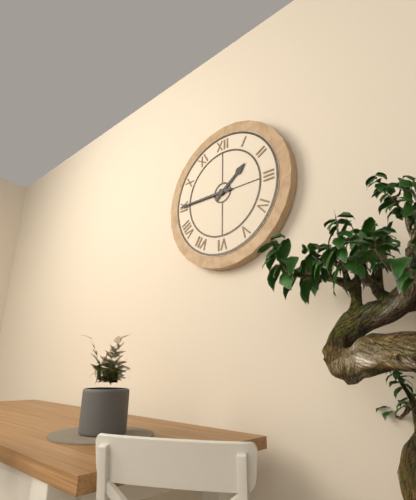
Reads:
h=1 m=45
